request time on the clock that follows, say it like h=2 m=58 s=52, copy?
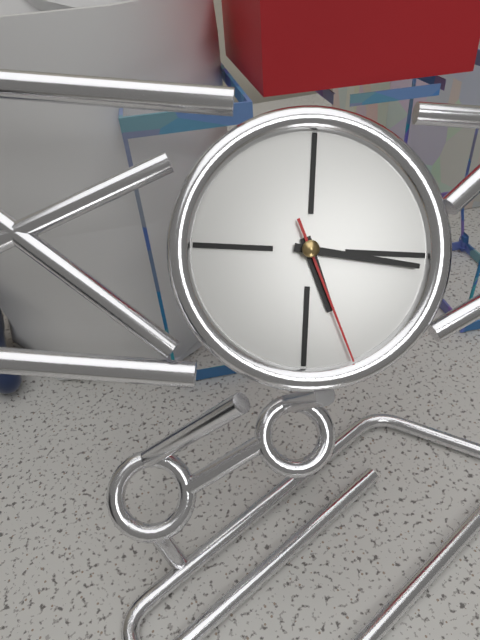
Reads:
h=5 m=16 s=26
